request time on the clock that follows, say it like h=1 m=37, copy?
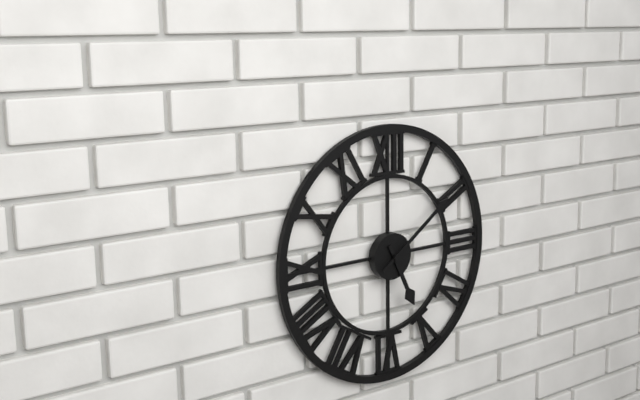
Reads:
h=5 m=9
